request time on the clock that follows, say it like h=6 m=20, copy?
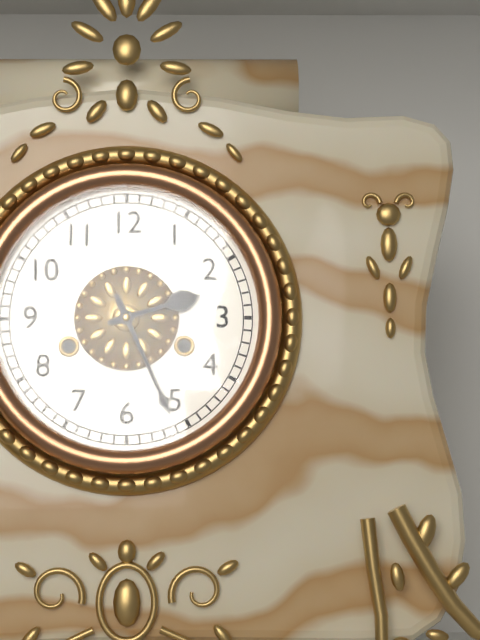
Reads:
h=2 m=26
